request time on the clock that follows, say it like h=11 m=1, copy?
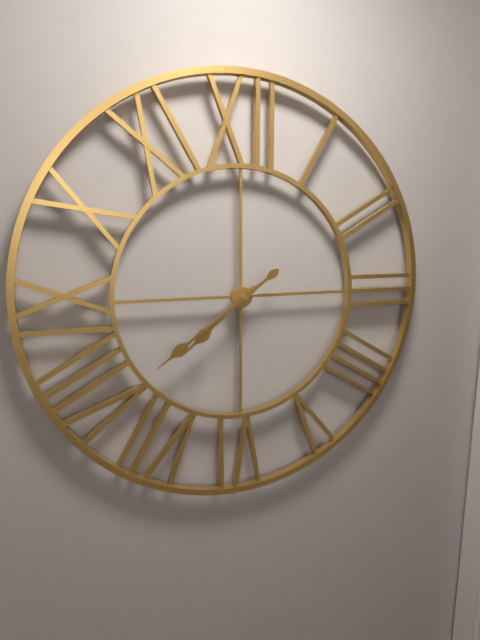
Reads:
h=7 m=39
